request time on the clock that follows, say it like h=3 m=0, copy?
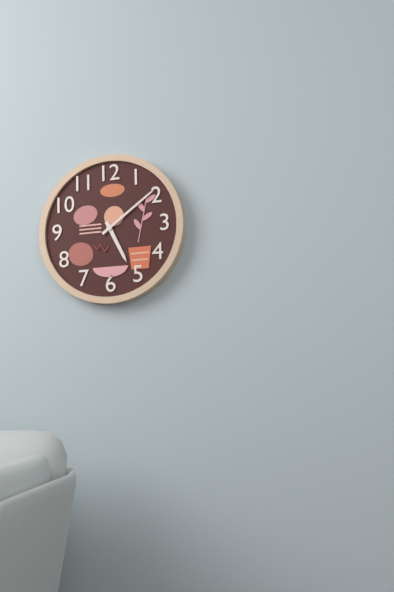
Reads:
h=5 m=9
